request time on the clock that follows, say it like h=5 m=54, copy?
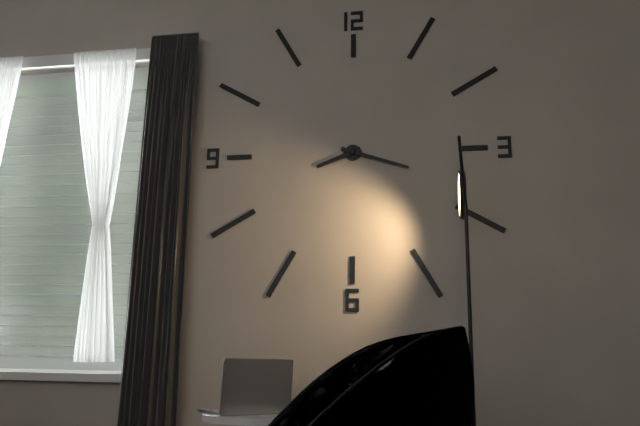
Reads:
h=8 m=18
